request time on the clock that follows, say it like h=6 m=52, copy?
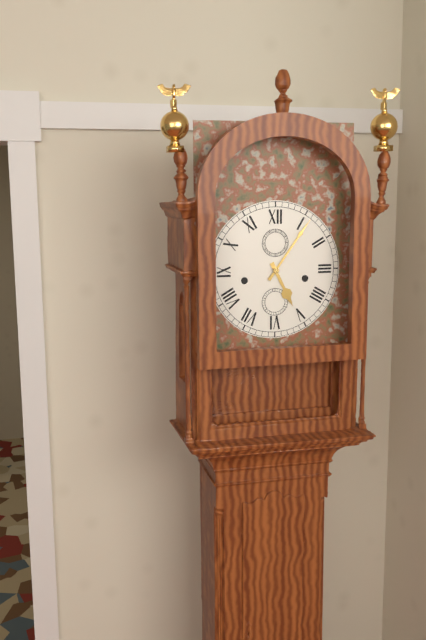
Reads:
h=5 m=6
